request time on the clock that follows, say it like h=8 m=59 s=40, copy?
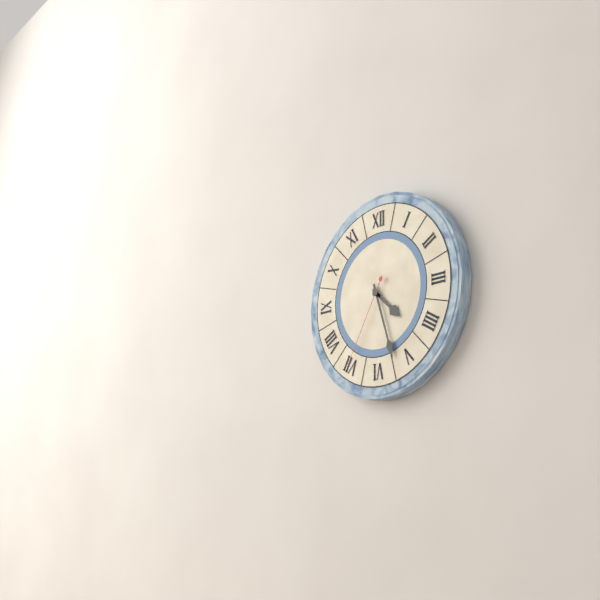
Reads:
h=4 m=27 s=35
